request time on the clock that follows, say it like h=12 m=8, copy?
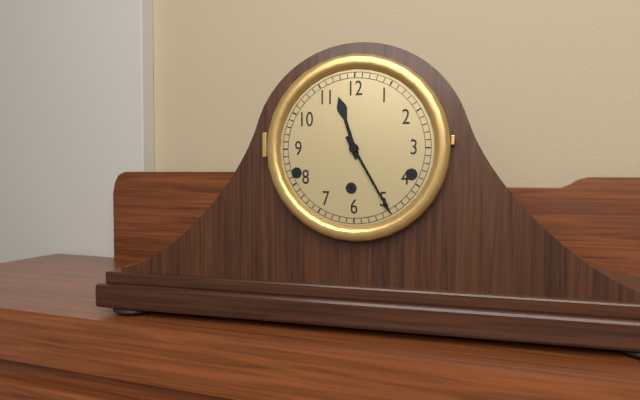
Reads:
h=11 m=25
